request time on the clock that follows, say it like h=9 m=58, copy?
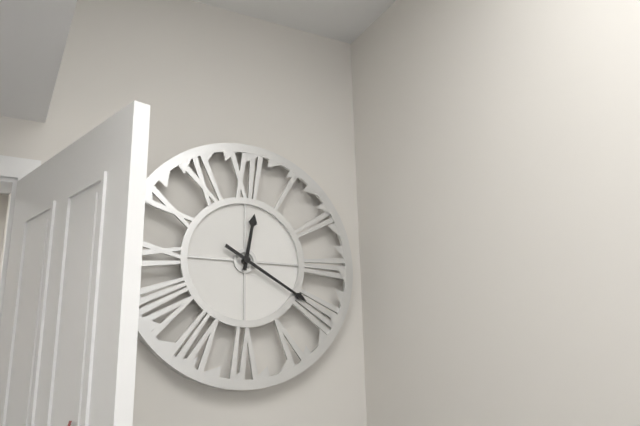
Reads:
h=12 m=20
